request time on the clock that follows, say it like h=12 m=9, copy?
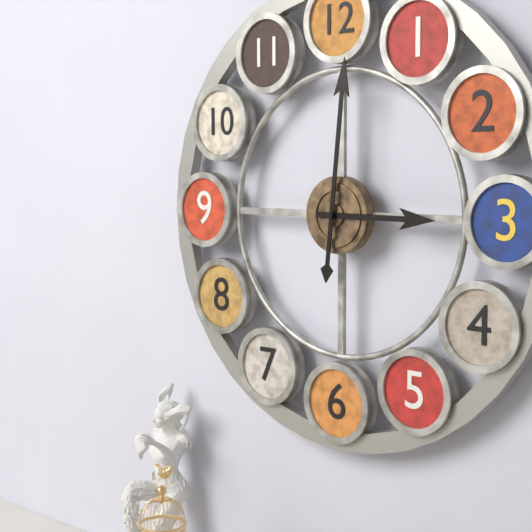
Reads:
h=3 m=1
